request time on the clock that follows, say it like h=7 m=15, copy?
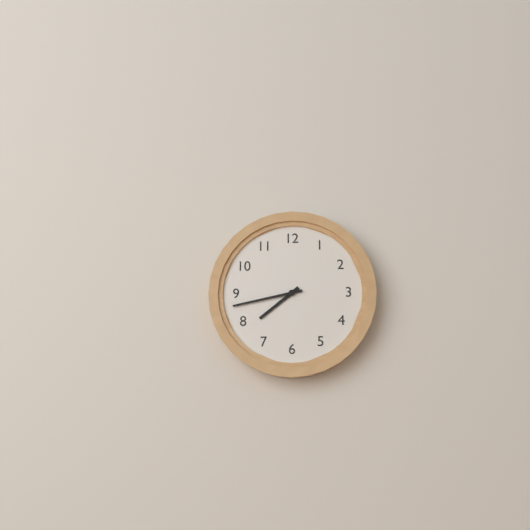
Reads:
h=7 m=43
